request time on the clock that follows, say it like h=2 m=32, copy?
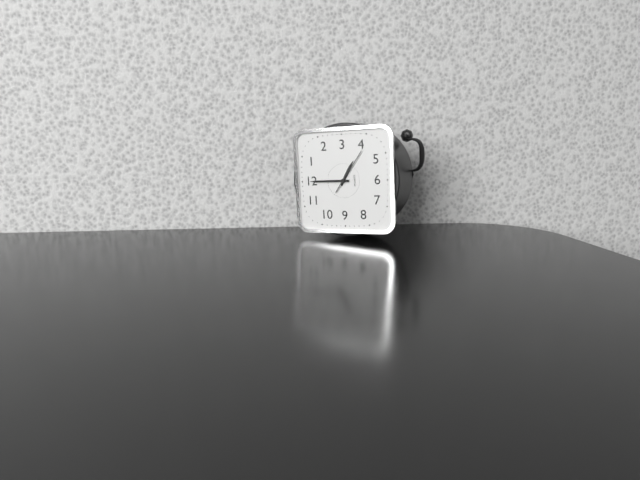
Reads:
h=4 m=0
